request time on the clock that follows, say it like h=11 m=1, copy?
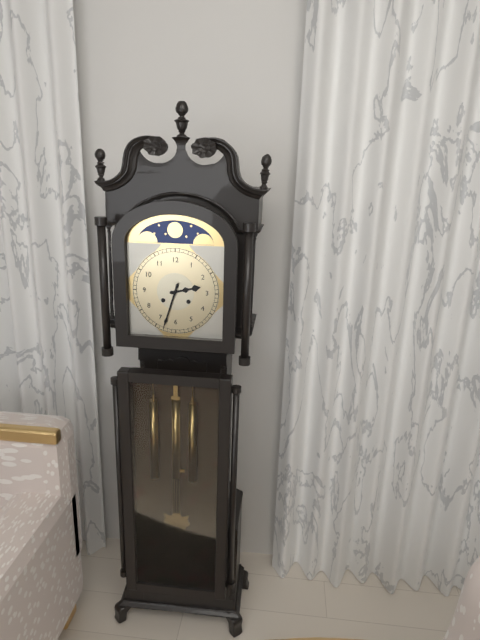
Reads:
h=2 m=33
